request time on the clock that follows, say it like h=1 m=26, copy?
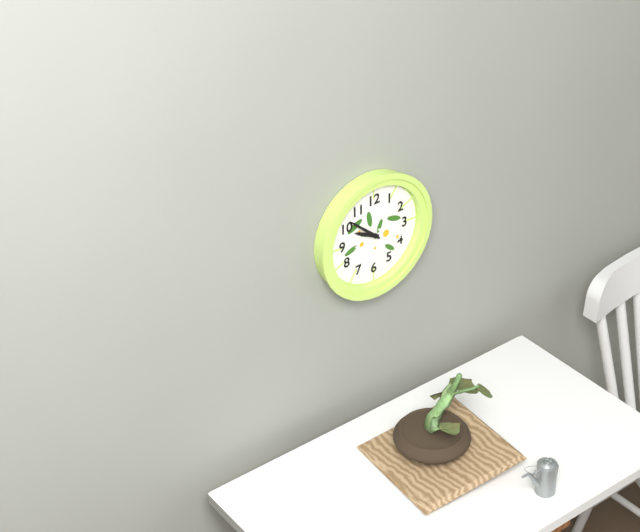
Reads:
h=9 m=52
